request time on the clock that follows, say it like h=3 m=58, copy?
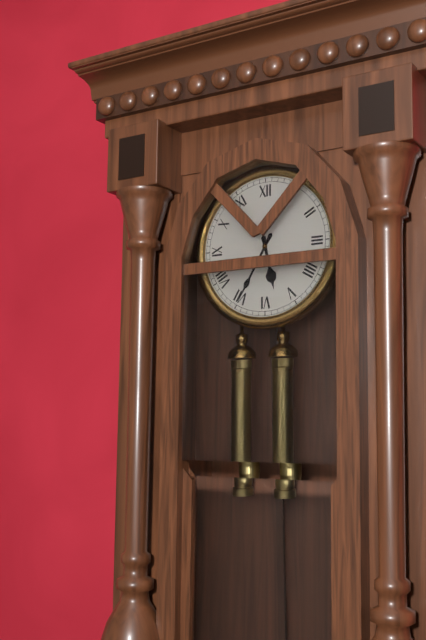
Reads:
h=5 m=35
